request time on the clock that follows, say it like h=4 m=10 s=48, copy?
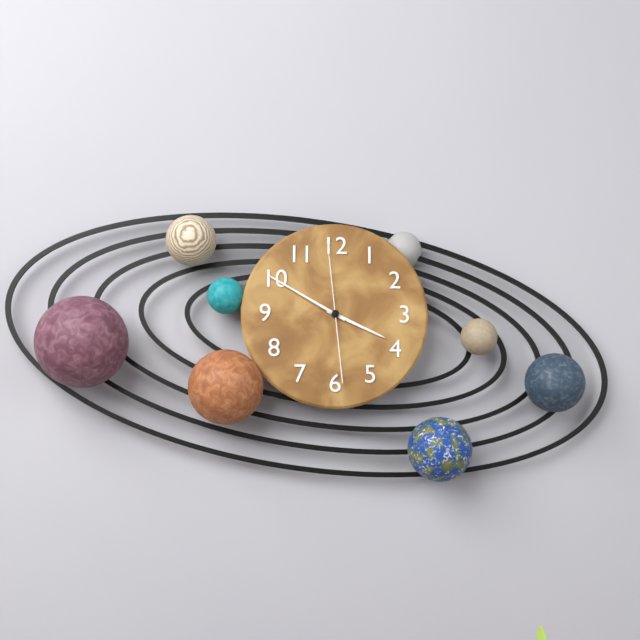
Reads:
h=3 m=50 s=59
